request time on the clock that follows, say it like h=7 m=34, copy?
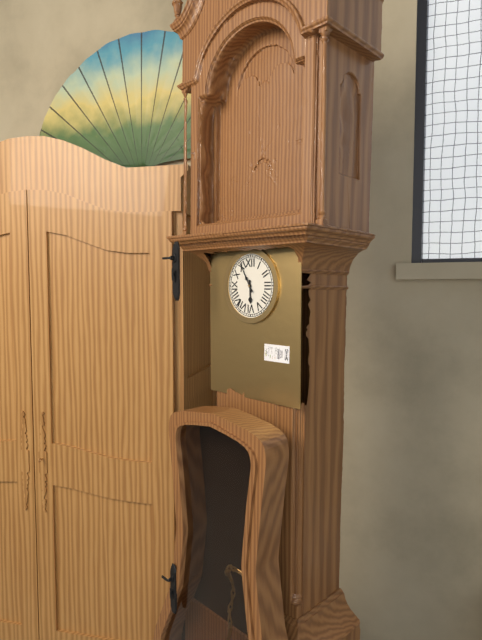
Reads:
h=5 m=55
